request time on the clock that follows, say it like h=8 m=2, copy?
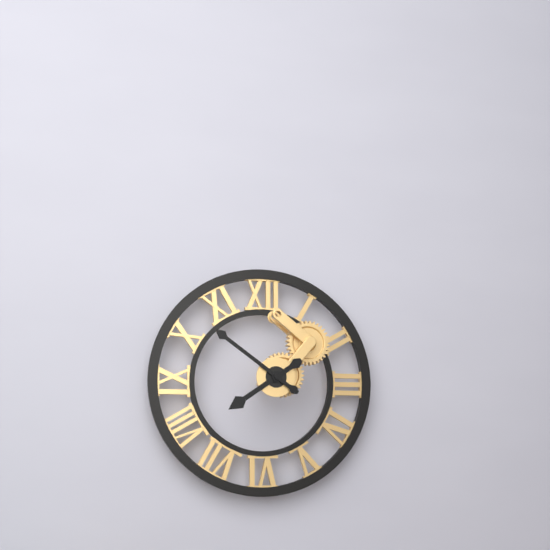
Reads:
h=7 m=51
